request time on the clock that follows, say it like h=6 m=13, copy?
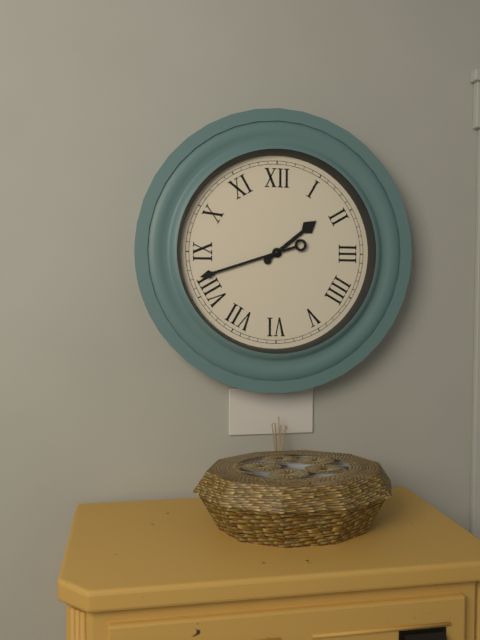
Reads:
h=1 m=42
